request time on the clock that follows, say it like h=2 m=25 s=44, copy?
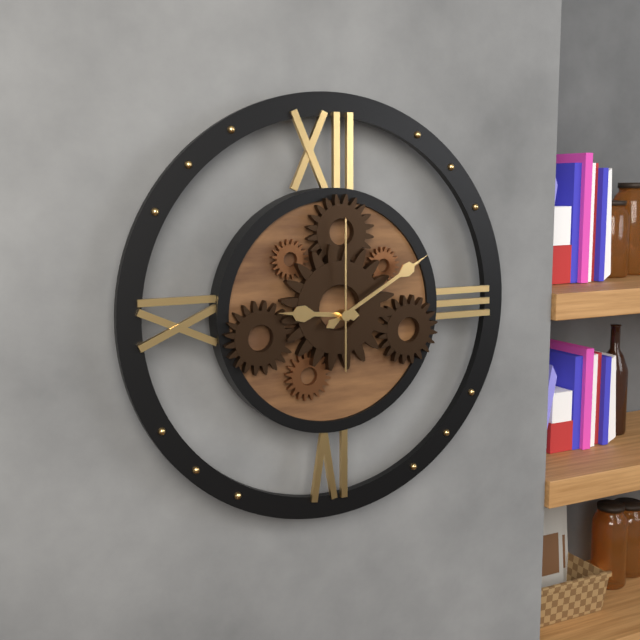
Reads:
h=9 m=10 s=0
